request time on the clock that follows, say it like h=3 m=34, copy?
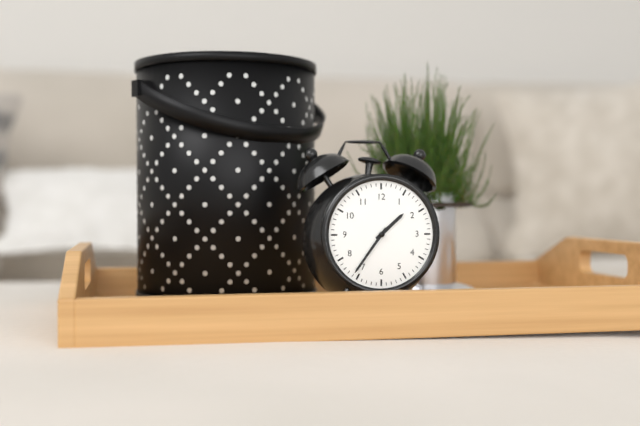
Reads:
h=1 m=36
